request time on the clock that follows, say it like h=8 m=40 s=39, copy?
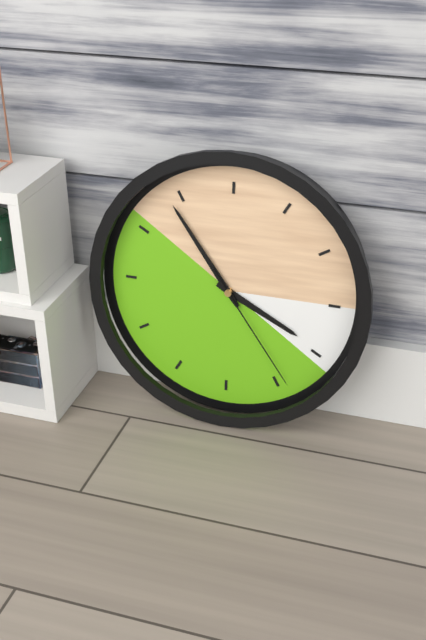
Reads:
h=3 m=54 s=24
